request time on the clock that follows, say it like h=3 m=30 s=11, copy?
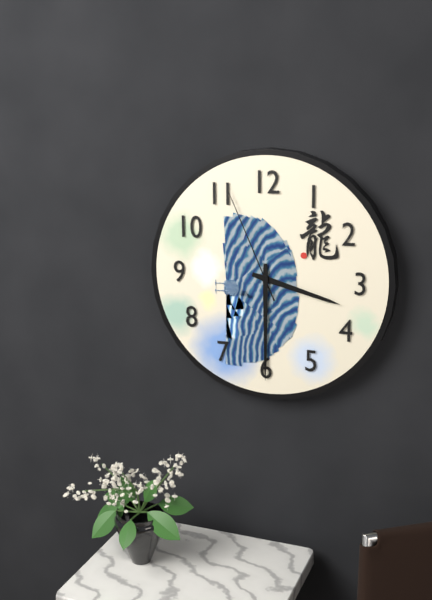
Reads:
h=3 m=30 s=56
